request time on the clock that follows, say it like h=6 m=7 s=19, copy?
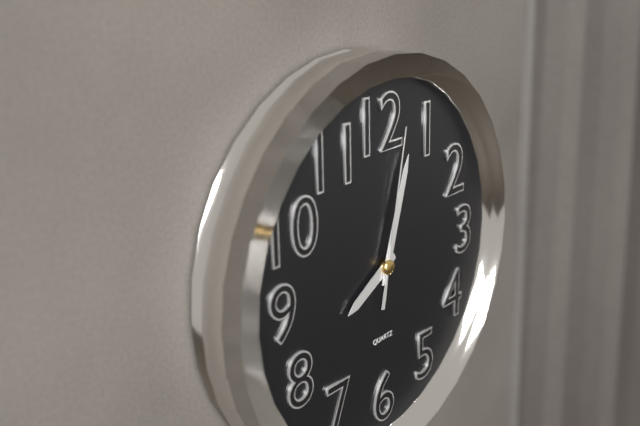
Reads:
h=8 m=3 s=2
